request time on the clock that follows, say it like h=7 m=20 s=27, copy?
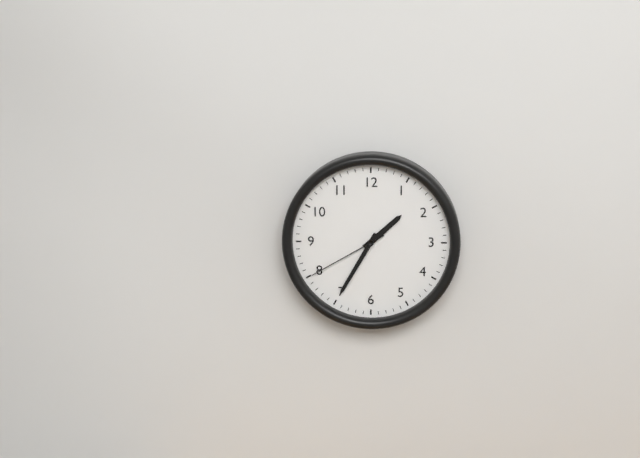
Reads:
h=1 m=35 s=40
